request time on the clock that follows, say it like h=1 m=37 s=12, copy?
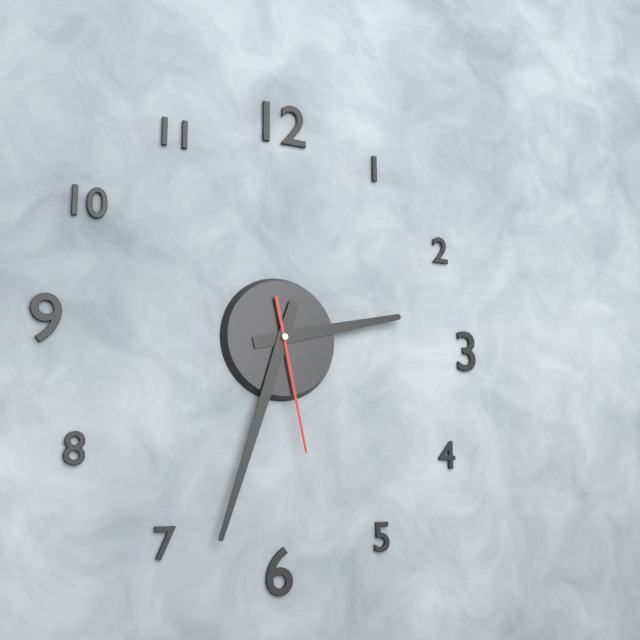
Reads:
h=2 m=33 s=28
